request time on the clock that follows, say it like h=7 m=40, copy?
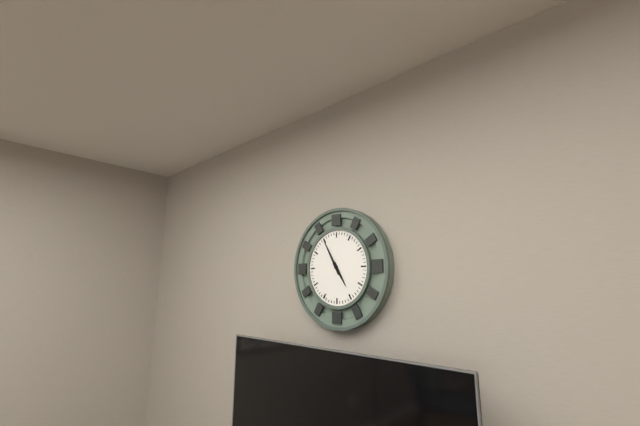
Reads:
h=4 m=55
